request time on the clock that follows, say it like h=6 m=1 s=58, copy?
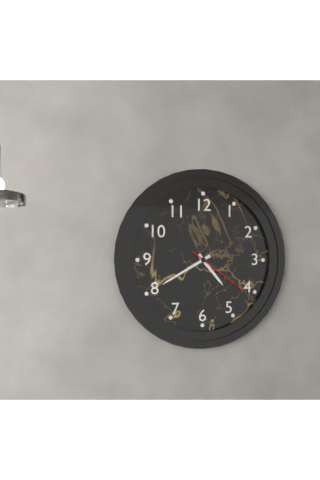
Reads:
h=4 m=40 s=21
